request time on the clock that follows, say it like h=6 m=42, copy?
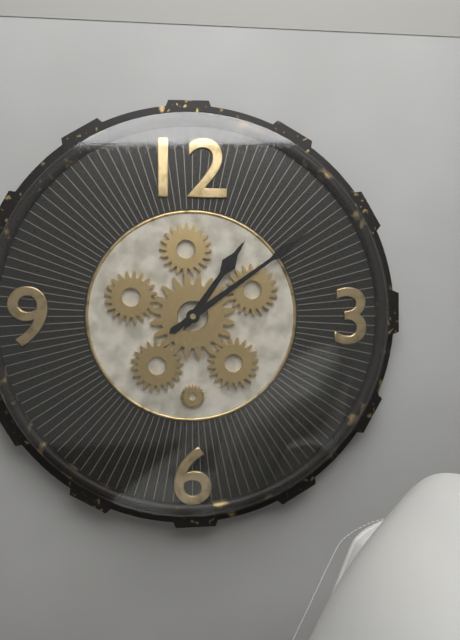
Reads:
h=1 m=9
